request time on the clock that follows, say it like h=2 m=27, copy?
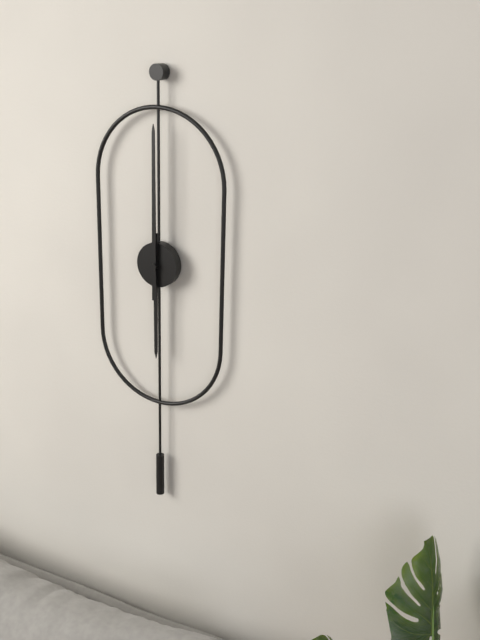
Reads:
h=6 m=0
